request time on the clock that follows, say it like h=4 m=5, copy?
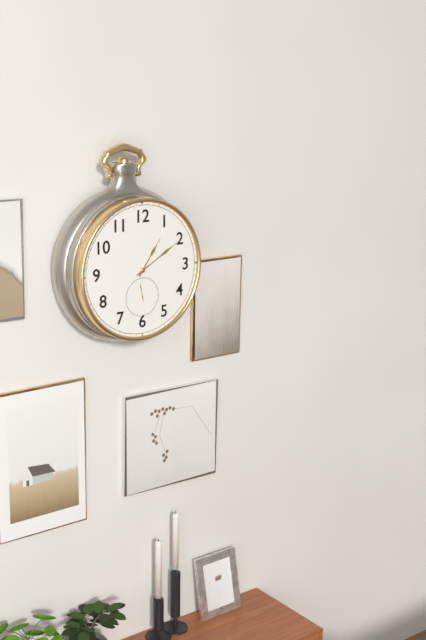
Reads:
h=1 m=10
